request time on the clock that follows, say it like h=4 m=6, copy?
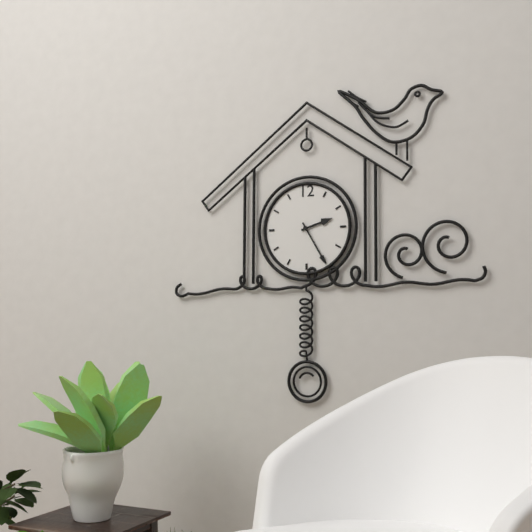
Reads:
h=2 m=25
